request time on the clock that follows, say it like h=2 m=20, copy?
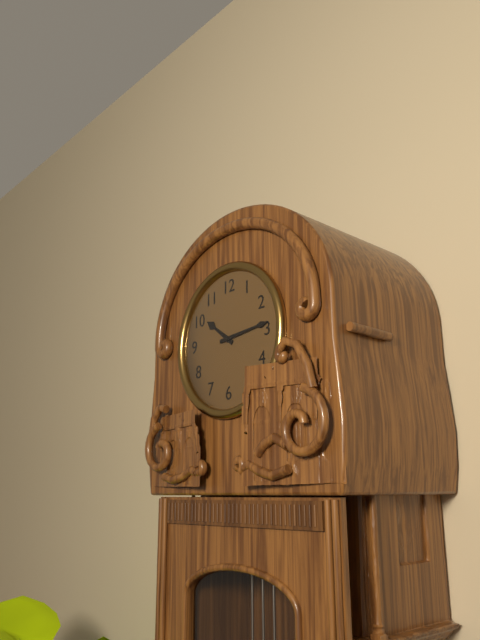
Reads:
h=10 m=14
